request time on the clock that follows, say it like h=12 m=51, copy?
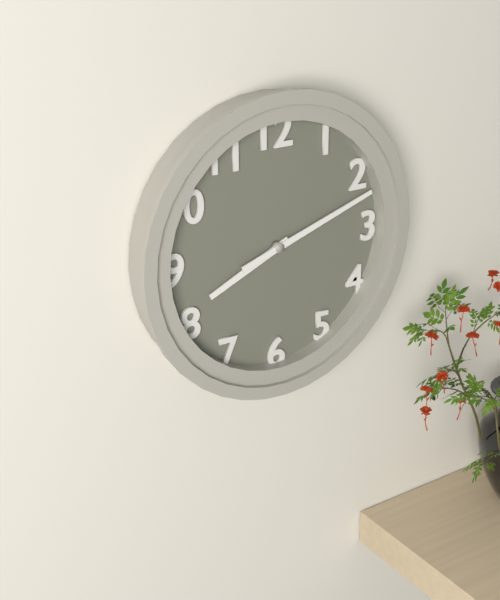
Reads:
h=8 m=12
